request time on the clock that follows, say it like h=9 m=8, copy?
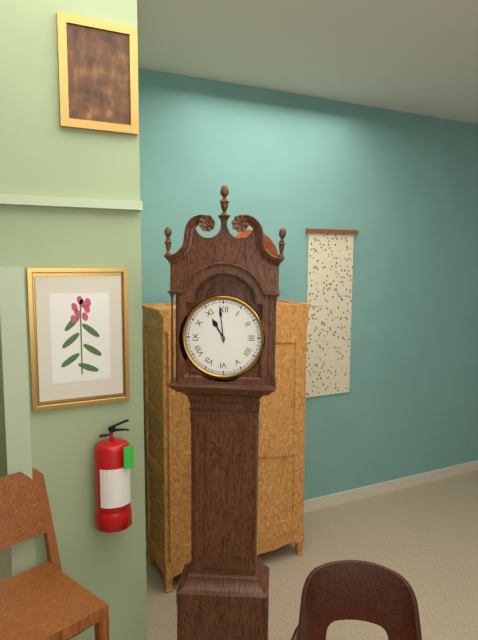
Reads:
h=10 m=59
